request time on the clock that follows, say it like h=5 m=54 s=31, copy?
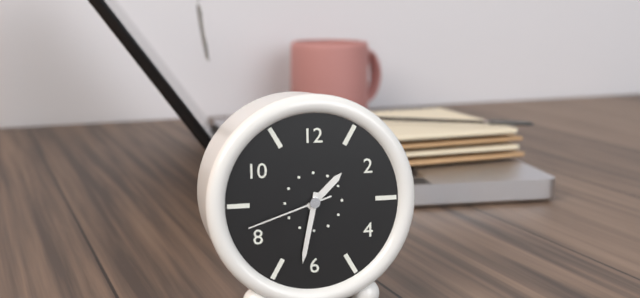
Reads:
h=1 m=32 s=42
